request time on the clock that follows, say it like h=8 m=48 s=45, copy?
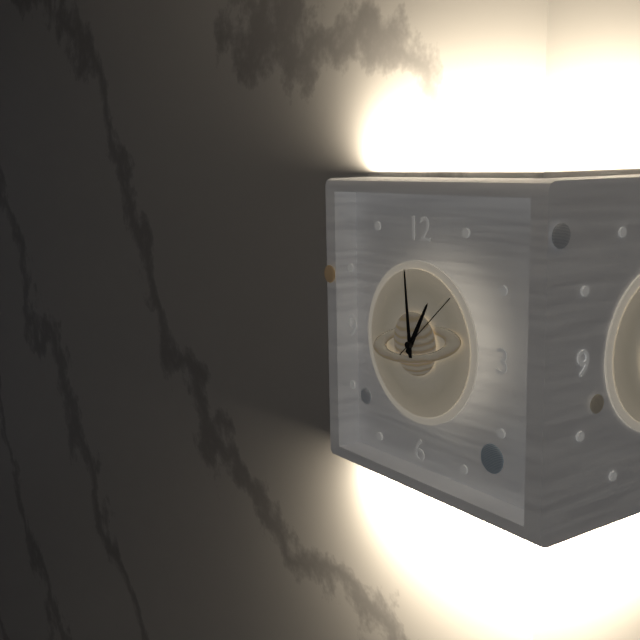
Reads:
h=12 m=59 s=8
